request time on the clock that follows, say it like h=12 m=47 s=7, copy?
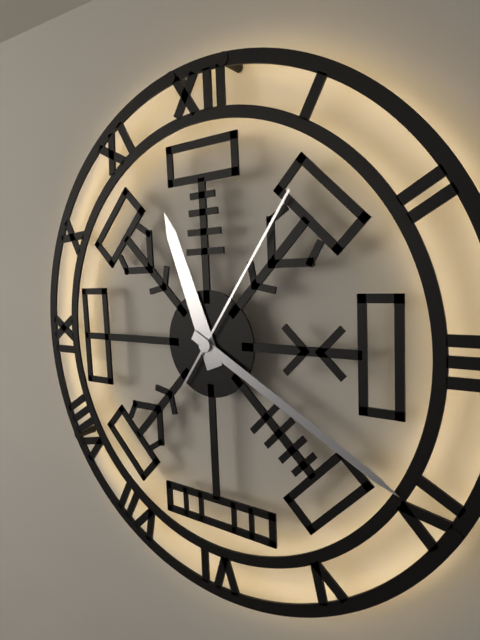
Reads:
h=11 m=20 s=6
